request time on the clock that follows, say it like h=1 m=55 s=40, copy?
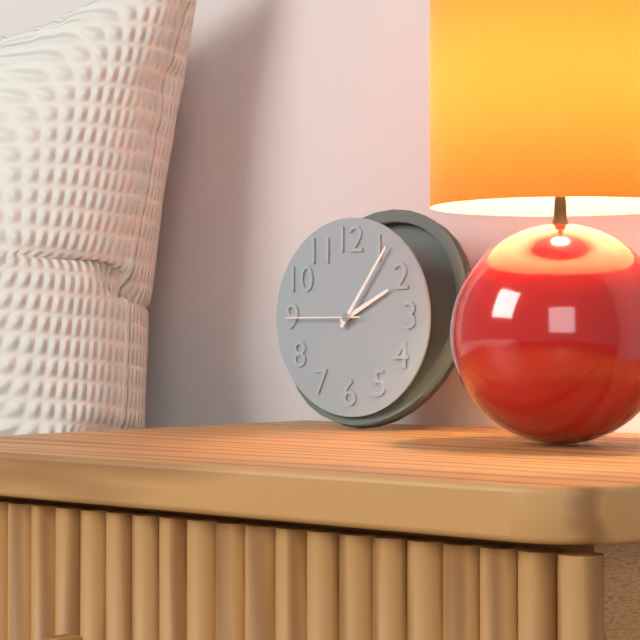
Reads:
h=2 m=6 s=45
